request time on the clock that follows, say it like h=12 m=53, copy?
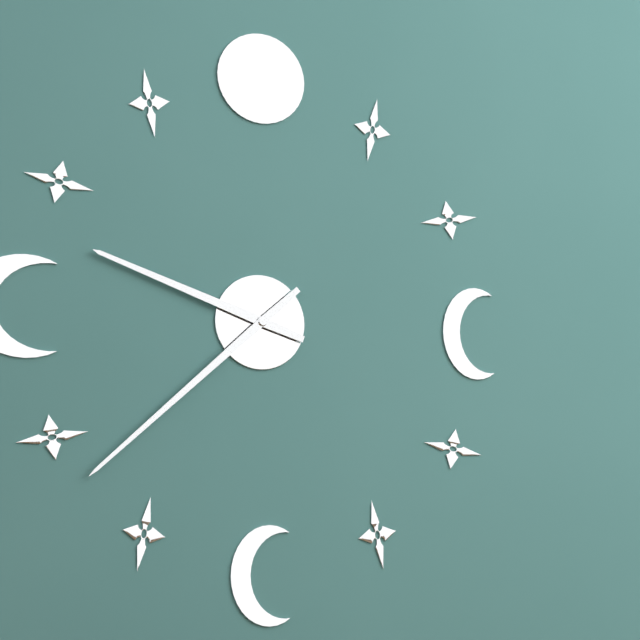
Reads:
h=9 m=38
